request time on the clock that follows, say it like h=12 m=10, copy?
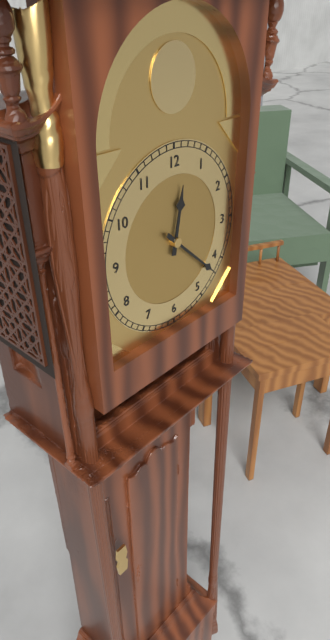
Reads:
h=12 m=22
